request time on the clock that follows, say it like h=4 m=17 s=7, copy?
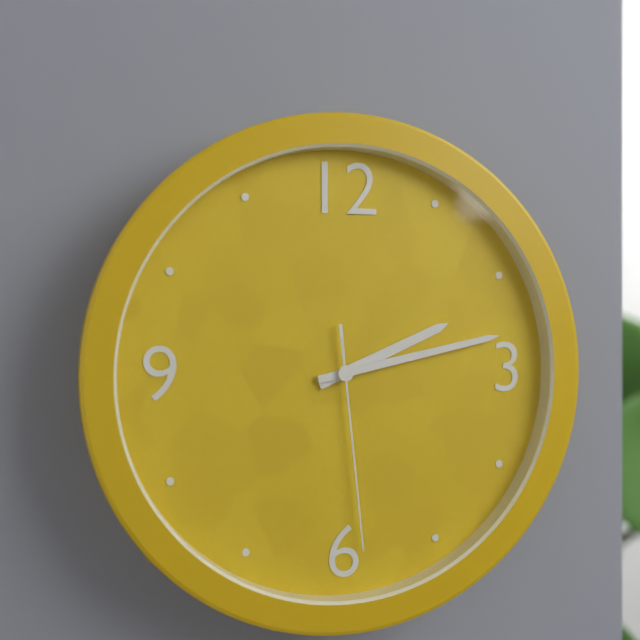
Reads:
h=2 m=13 s=29
